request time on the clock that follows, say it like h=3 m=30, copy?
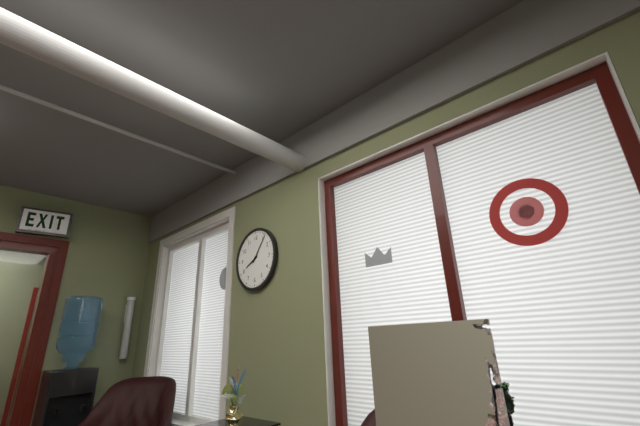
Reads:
h=8 m=6
